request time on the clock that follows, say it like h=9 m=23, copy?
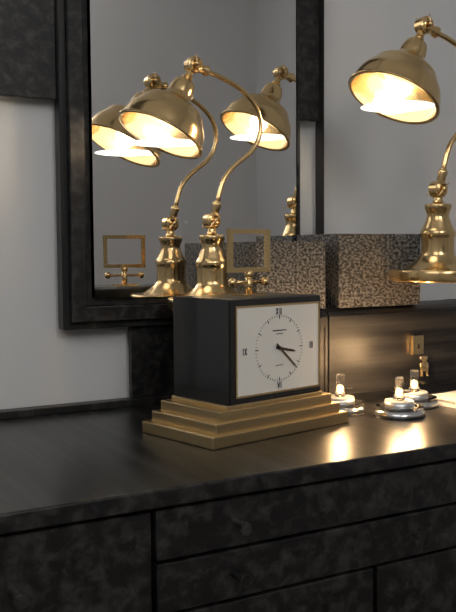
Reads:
h=3 m=22
